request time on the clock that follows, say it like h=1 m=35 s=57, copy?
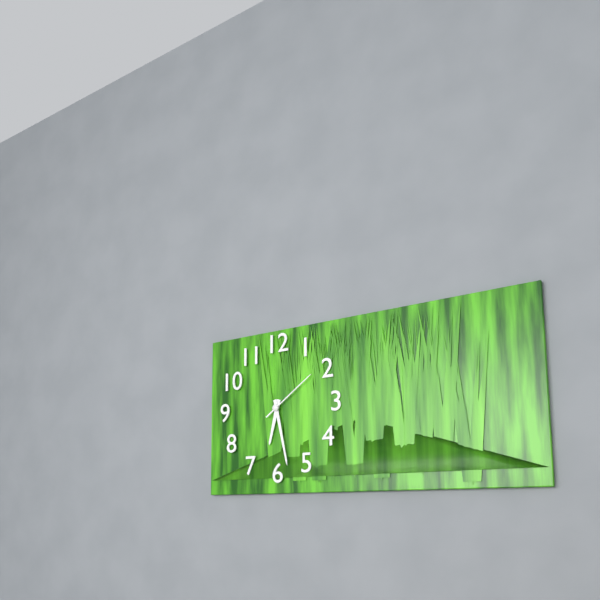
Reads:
h=6 m=28 s=9
